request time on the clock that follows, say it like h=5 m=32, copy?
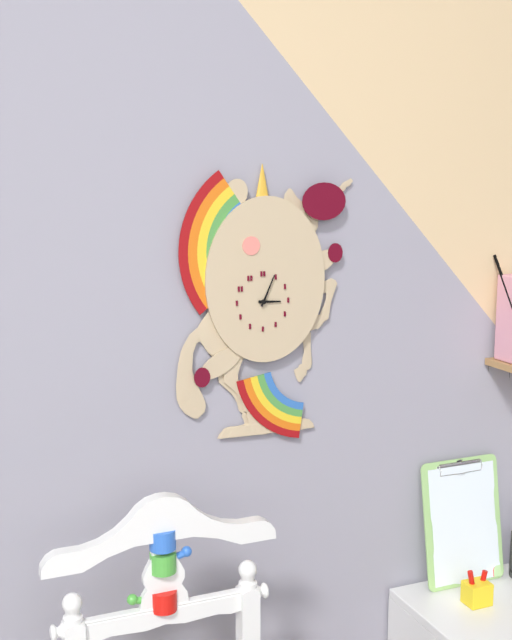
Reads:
h=3 m=4
